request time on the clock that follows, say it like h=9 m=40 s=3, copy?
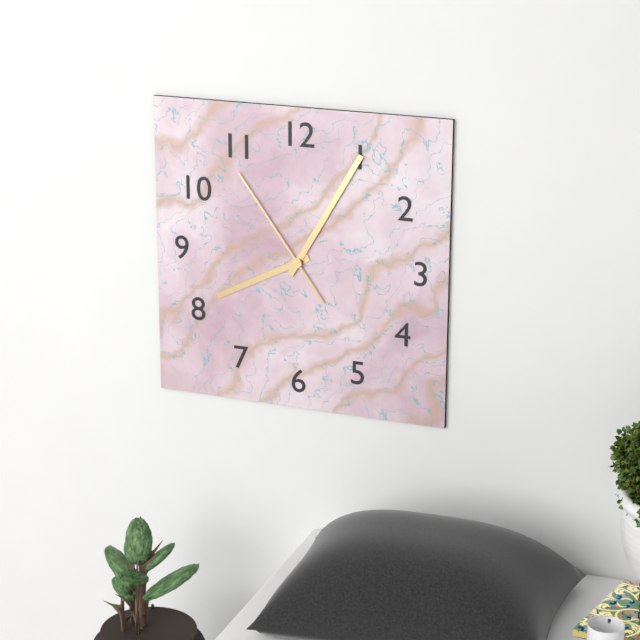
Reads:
h=8 m=5 s=54
